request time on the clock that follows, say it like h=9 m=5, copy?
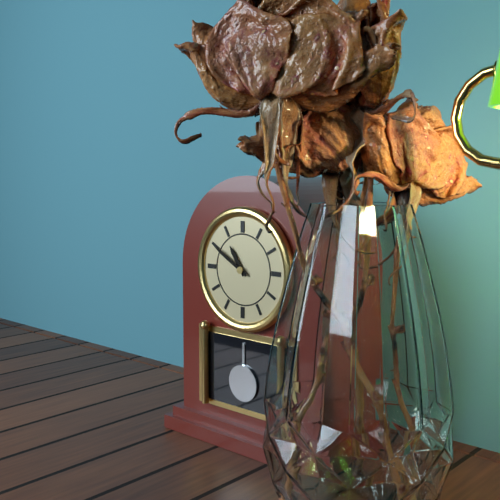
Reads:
h=10 m=50
